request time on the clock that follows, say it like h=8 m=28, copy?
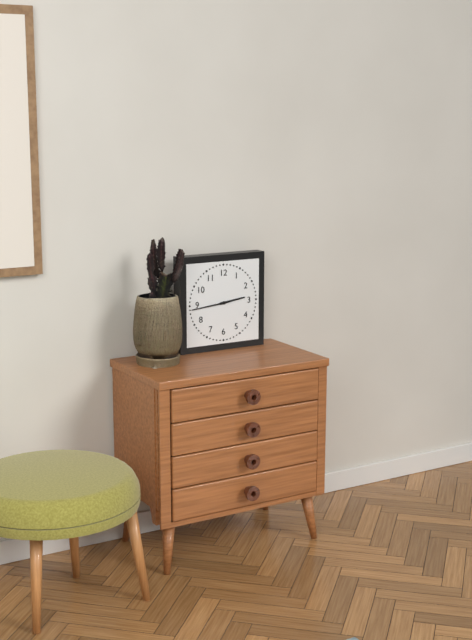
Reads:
h=2 m=44
